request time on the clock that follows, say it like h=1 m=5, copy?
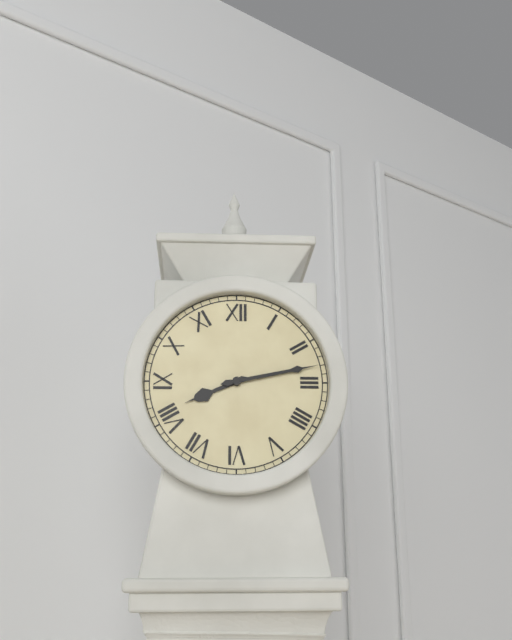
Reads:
h=8 m=13
